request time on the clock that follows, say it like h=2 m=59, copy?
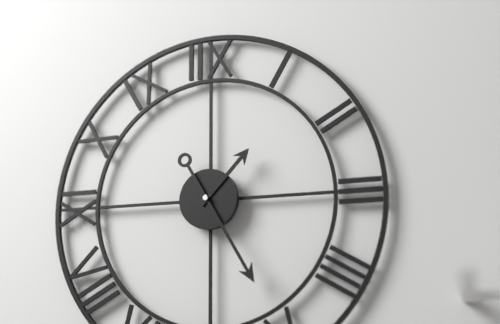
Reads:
h=1 m=25
